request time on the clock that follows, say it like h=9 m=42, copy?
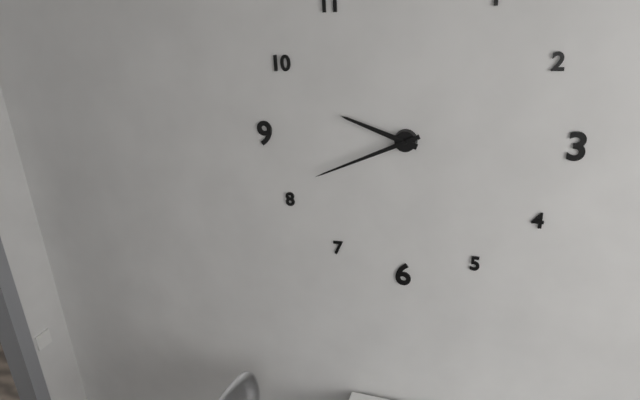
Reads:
h=9 m=41
